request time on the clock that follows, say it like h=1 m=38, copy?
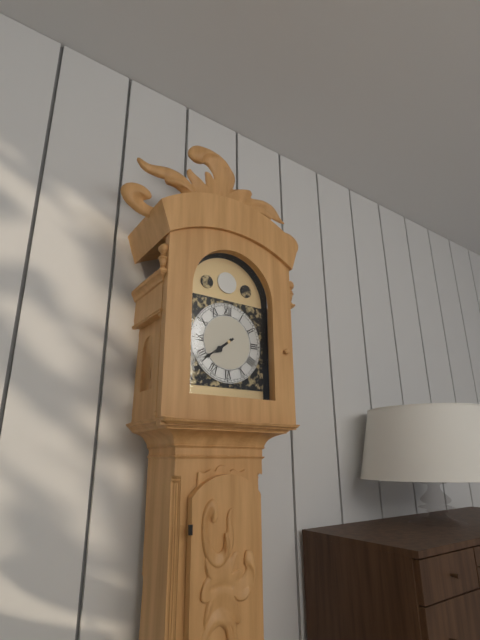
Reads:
h=7 m=39
